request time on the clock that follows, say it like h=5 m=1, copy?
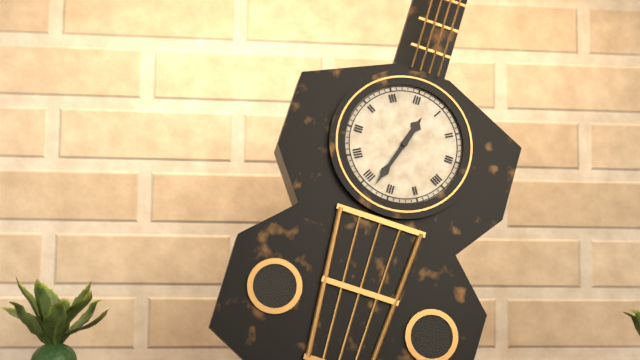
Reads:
h=12 m=33
